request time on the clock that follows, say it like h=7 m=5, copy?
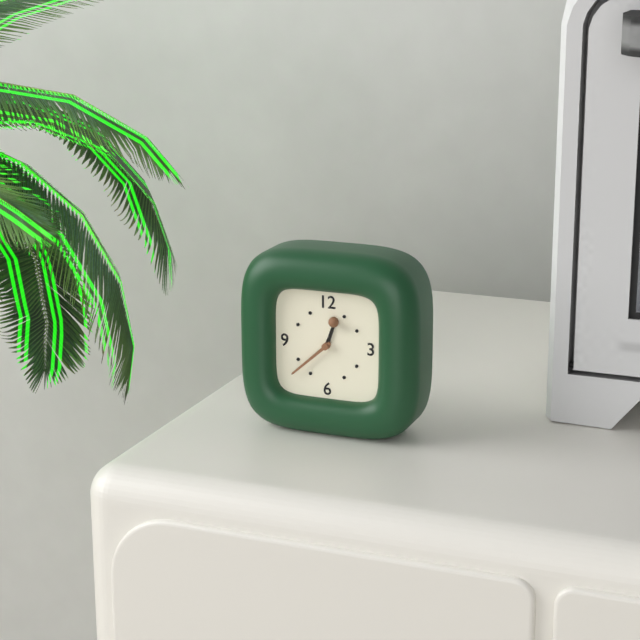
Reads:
h=12 m=38
